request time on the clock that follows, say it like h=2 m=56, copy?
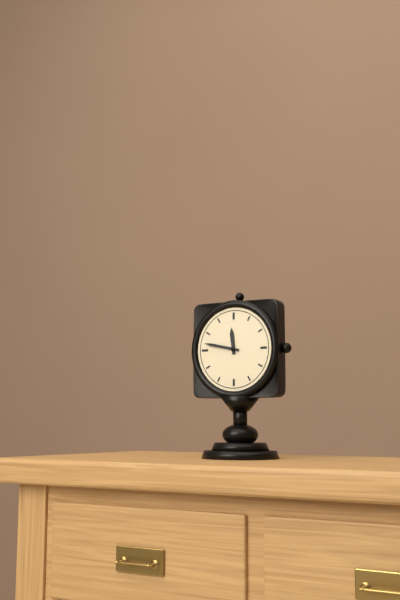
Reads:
h=11 m=47
